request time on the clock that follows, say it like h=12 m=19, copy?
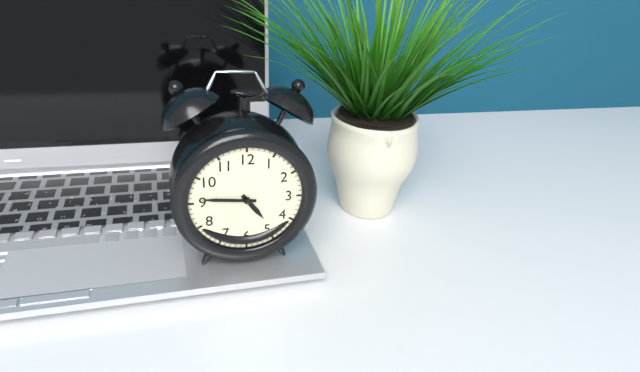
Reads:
h=4 m=46
